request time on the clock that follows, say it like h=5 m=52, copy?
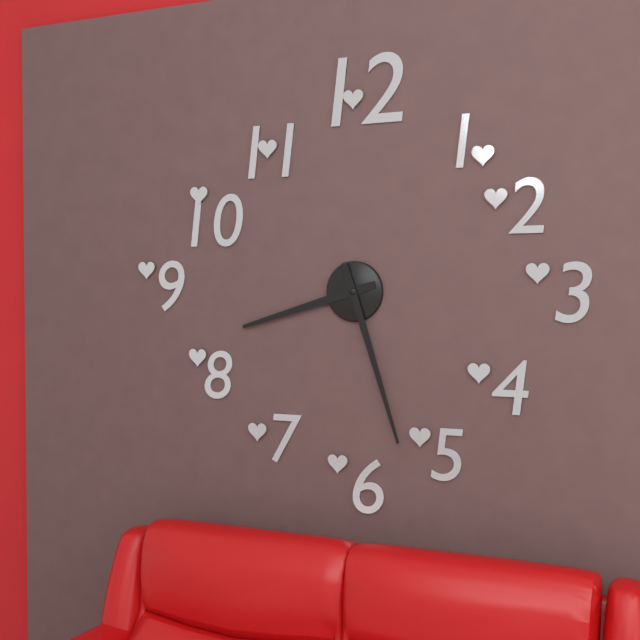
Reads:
h=8 m=27
